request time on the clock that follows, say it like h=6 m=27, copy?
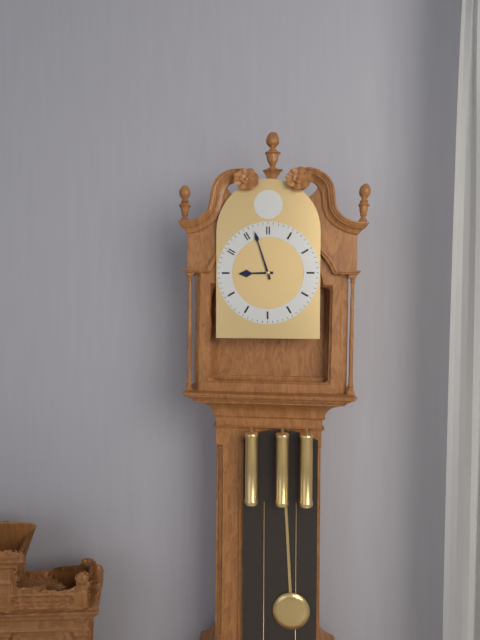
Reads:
h=8 m=57
